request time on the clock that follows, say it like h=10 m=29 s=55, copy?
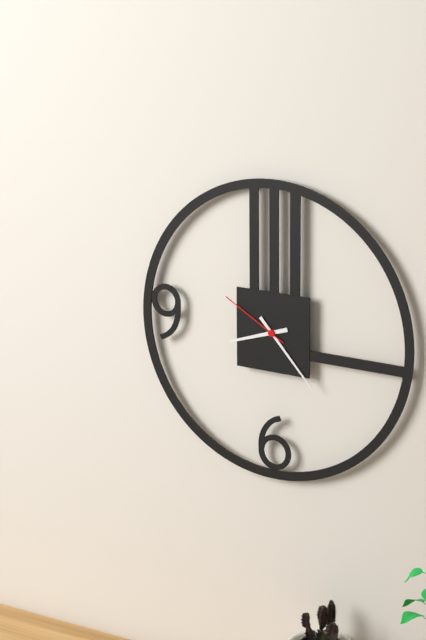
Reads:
h=8 m=23 s=50
